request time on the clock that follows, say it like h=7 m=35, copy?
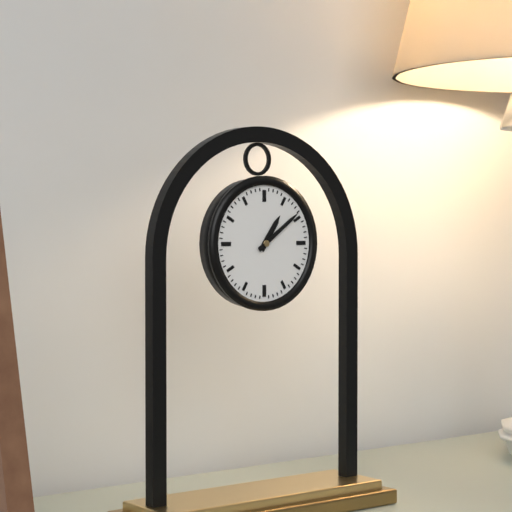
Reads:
h=1 m=9
